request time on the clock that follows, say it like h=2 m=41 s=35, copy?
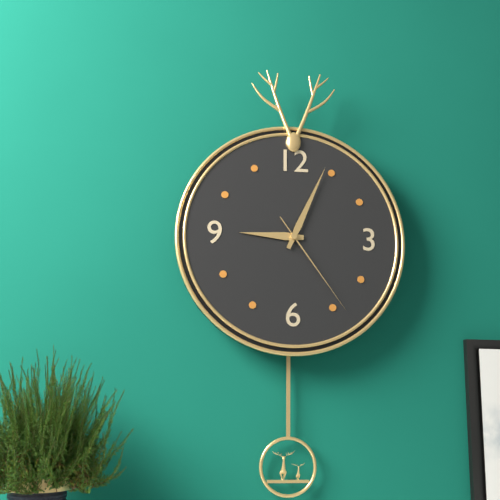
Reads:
h=9 m=4 s=24
